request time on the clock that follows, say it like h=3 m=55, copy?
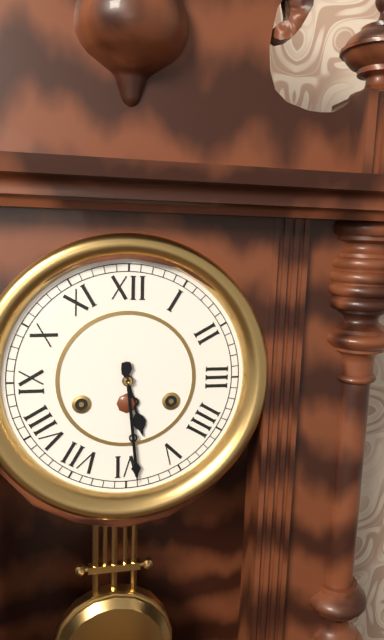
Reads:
h=5 m=29
